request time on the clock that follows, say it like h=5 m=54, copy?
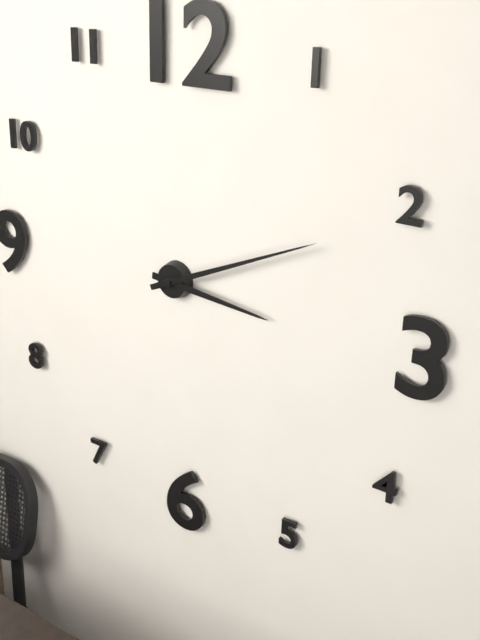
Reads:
h=3 m=11
